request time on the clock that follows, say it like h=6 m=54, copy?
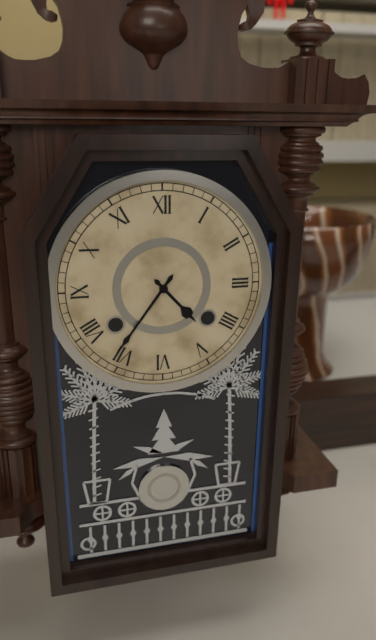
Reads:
h=4 m=36
